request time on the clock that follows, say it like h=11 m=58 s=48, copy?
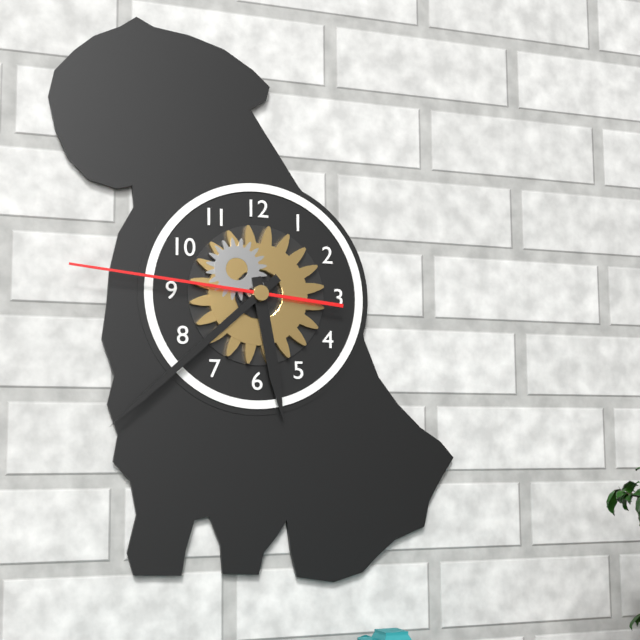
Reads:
h=5 m=38 s=46
